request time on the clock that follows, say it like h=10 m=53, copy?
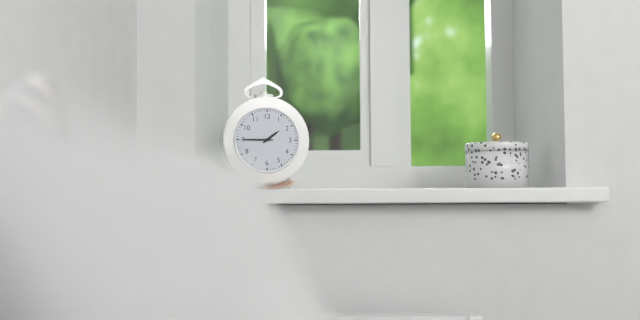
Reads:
h=1 m=45
